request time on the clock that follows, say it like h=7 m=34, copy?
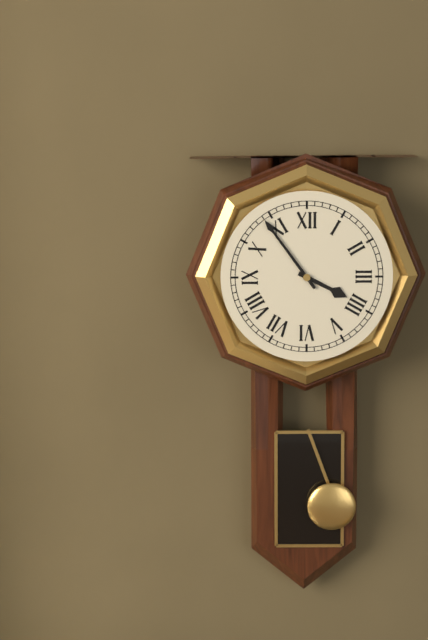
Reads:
h=3 m=54
